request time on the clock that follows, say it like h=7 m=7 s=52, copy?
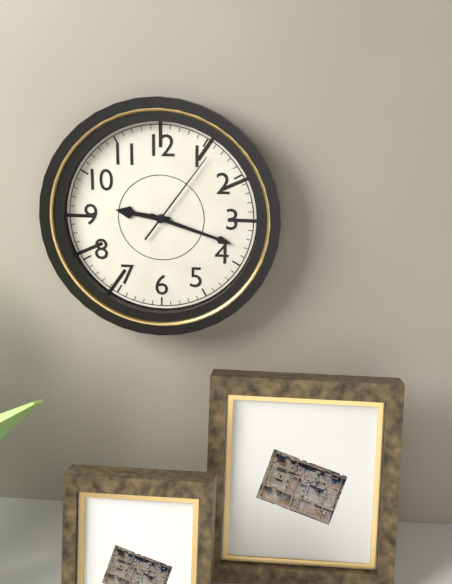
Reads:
h=9 m=18 s=6
